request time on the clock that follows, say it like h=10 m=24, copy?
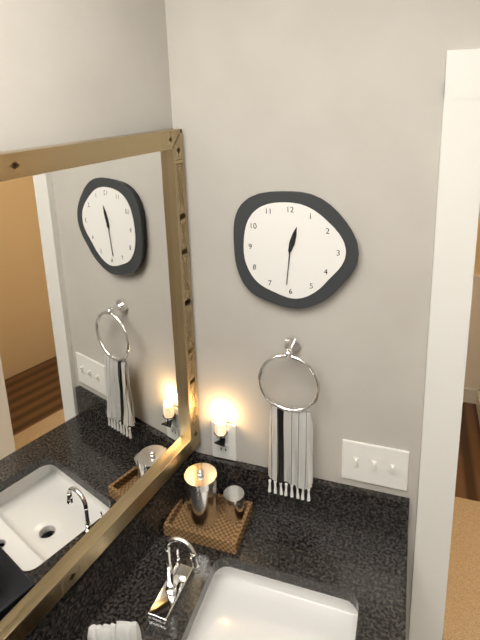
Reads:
h=12 m=31
